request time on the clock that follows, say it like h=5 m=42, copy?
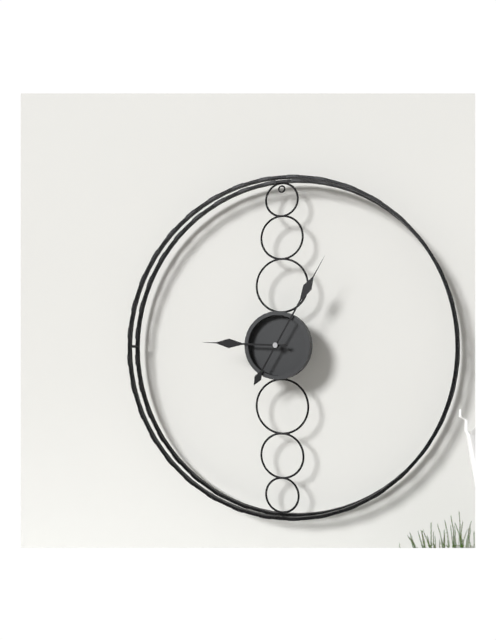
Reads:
h=9 m=5
